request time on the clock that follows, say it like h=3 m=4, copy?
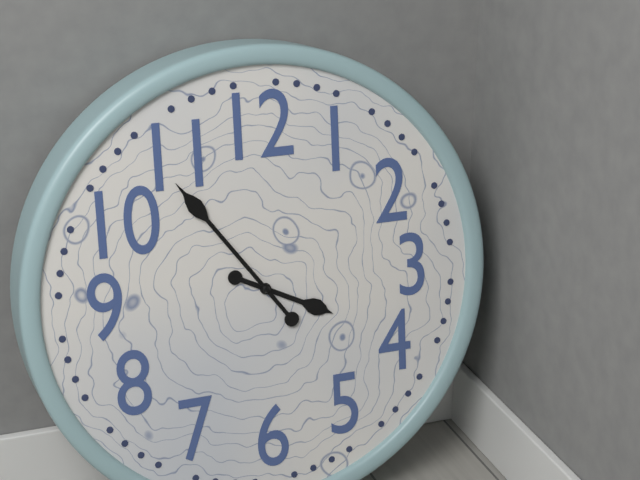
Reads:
h=3 m=54
